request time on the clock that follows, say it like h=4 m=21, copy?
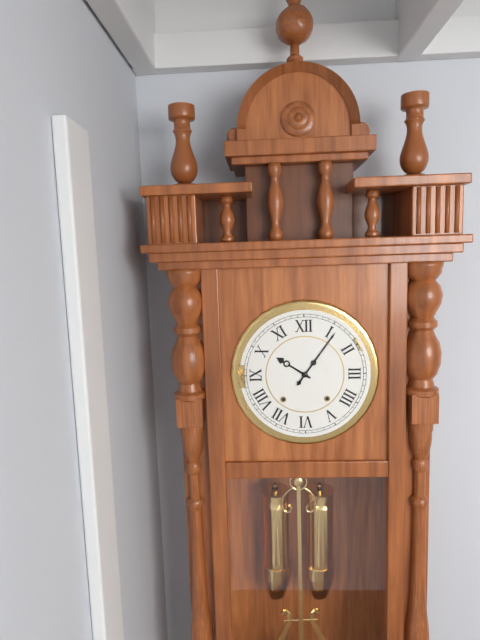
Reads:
h=10 m=6
